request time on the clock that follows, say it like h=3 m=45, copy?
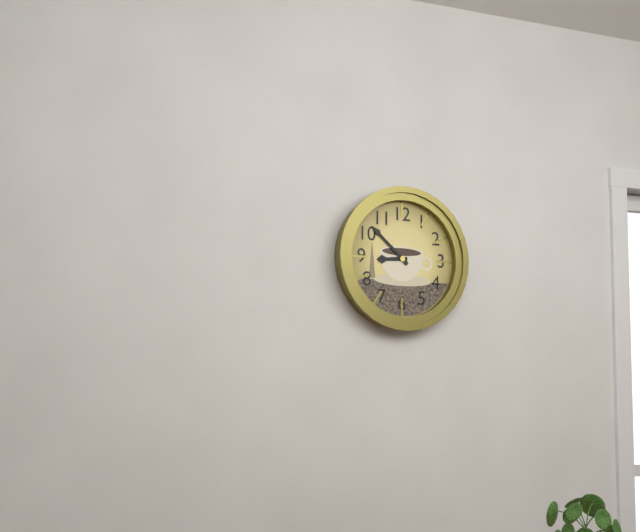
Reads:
h=8 m=52
